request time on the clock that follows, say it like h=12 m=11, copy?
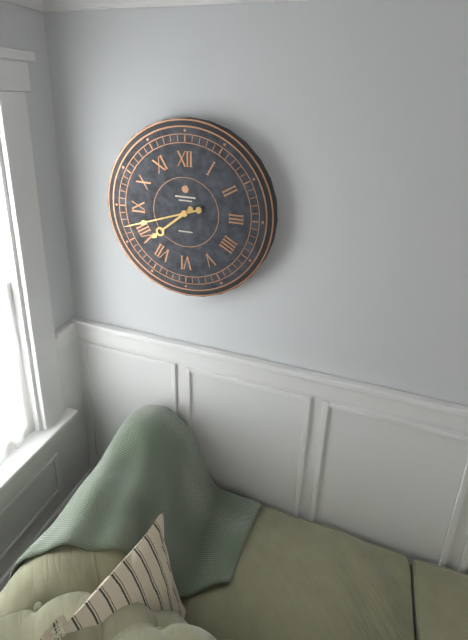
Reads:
h=7 m=42
